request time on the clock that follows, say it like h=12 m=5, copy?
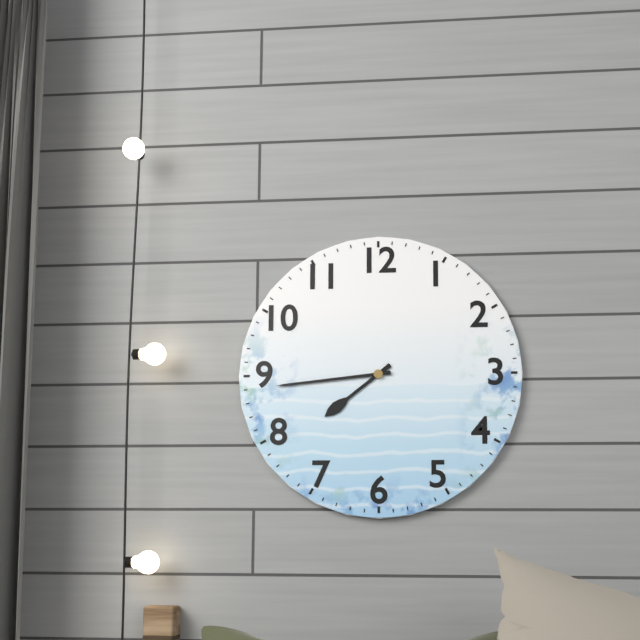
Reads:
h=7 m=44
